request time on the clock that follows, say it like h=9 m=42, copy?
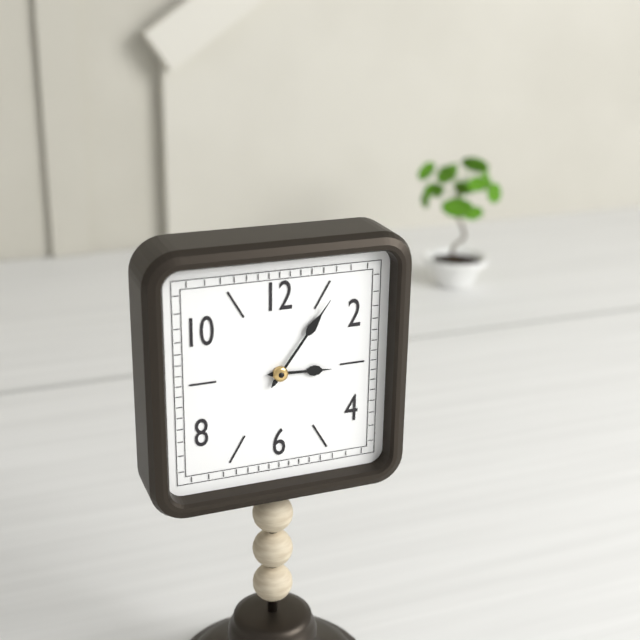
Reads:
h=3 m=6
